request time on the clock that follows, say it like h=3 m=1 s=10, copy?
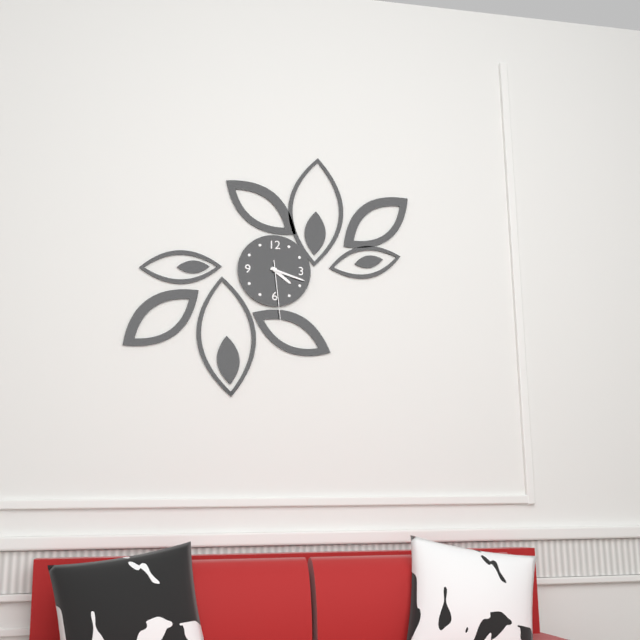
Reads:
h=4 m=18 s=29
